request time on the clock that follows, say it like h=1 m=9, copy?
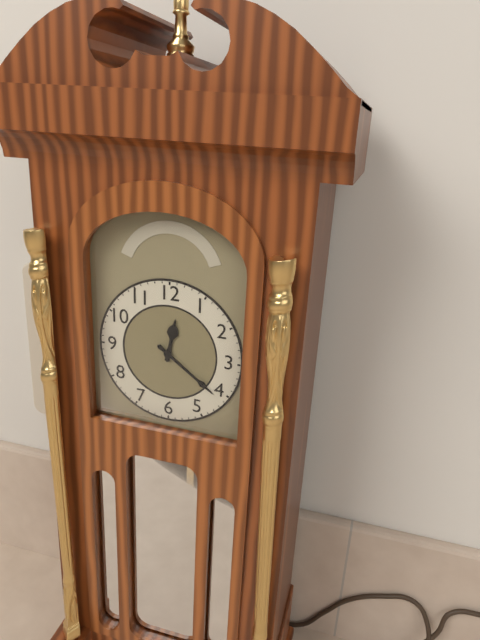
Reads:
h=12 m=21
